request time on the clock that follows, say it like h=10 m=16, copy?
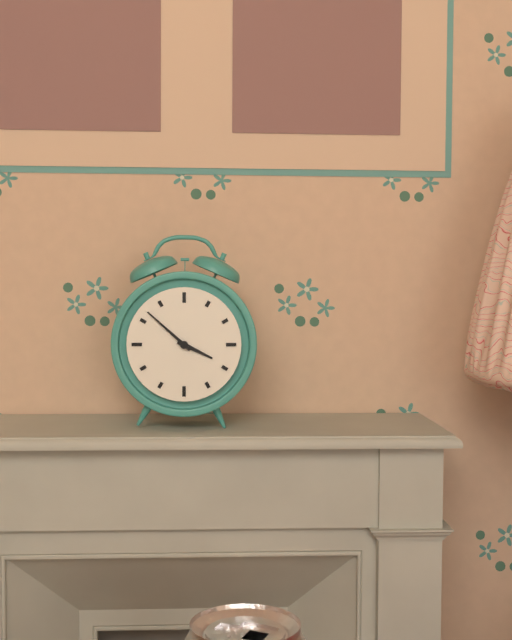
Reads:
h=3 m=52
